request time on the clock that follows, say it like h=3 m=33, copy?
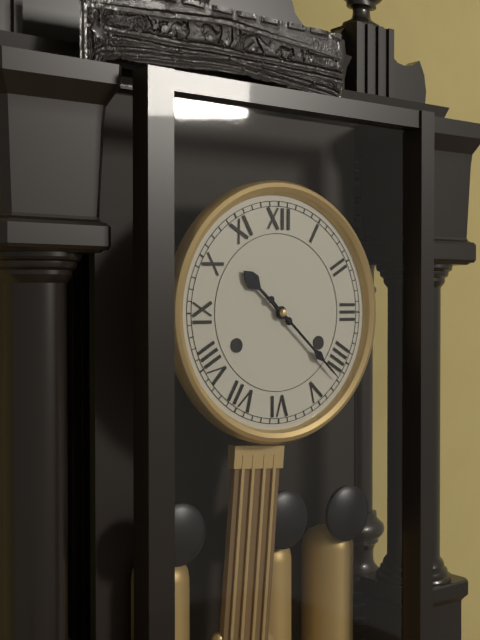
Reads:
h=10 m=22
